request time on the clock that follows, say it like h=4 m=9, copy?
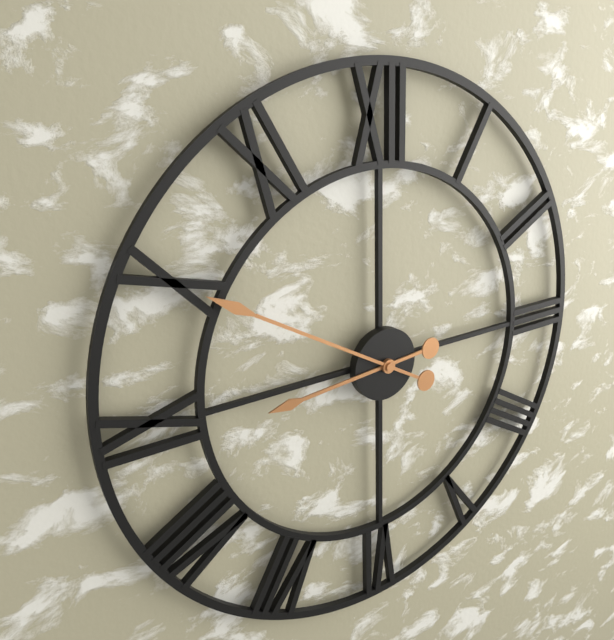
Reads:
h=8 m=50
